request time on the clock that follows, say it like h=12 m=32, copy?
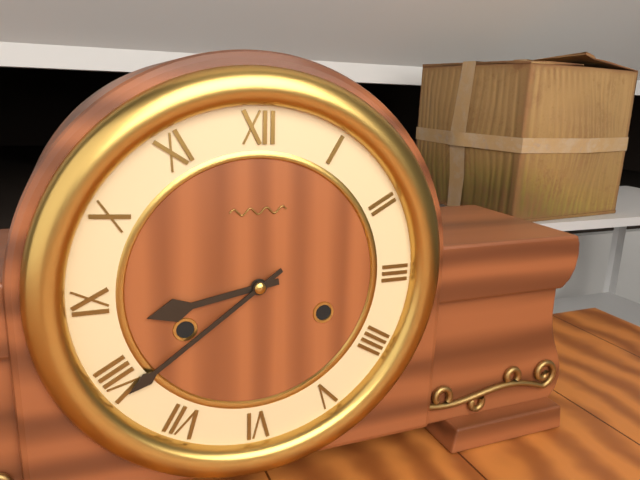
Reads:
h=8 m=39
